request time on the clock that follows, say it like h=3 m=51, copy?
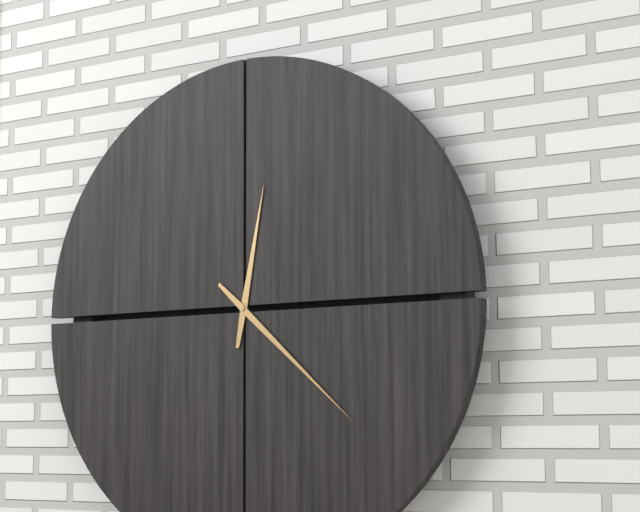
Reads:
h=12 m=22
